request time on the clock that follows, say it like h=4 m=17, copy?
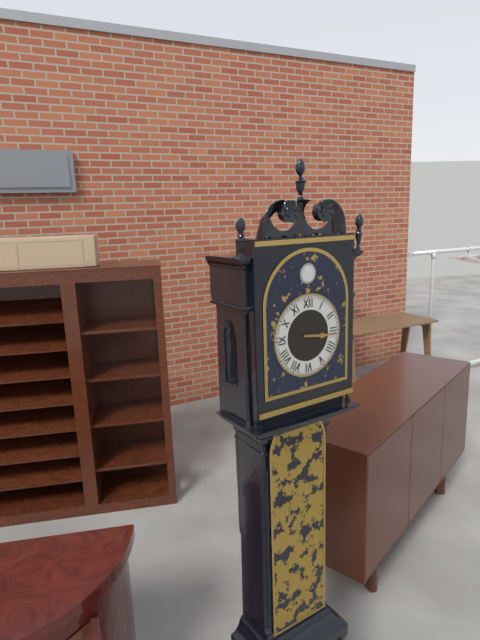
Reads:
h=3 m=16
